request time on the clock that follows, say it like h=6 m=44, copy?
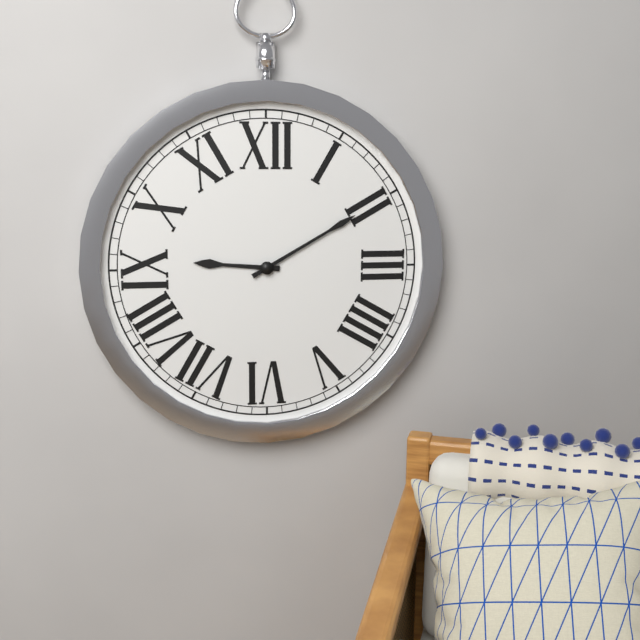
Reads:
h=9 m=10
